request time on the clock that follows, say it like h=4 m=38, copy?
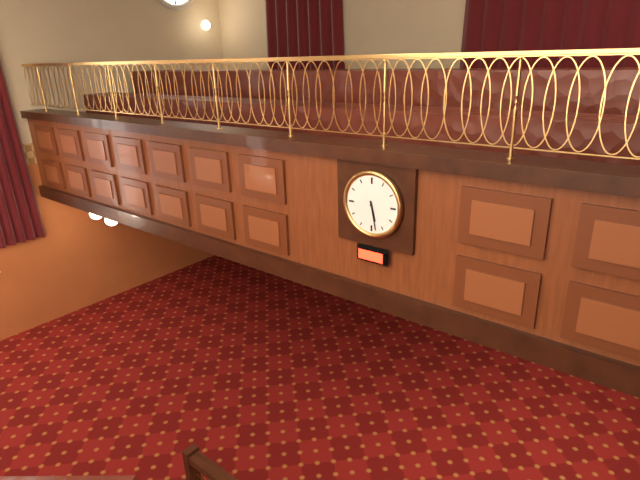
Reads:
h=5 m=28
